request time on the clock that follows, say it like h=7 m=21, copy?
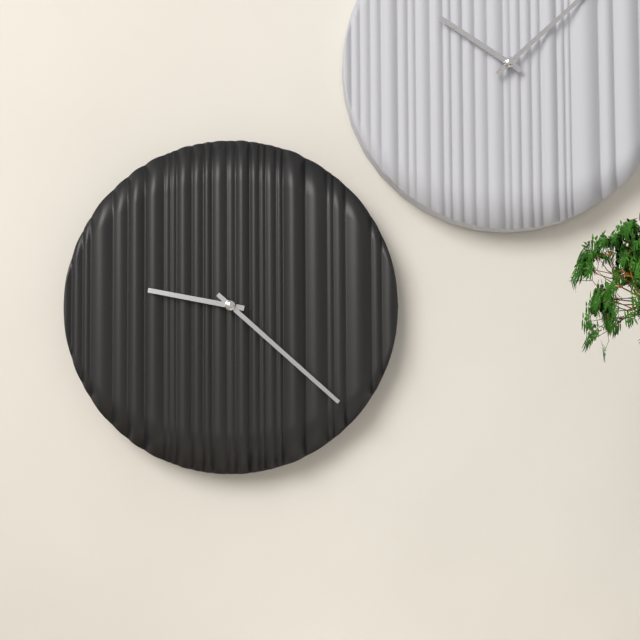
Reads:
h=9 m=22
